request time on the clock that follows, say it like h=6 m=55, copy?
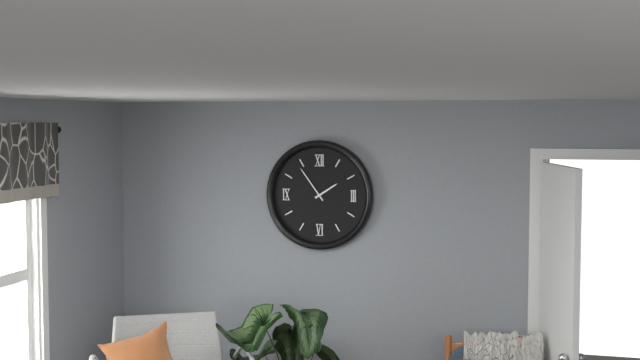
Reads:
h=1 m=54
